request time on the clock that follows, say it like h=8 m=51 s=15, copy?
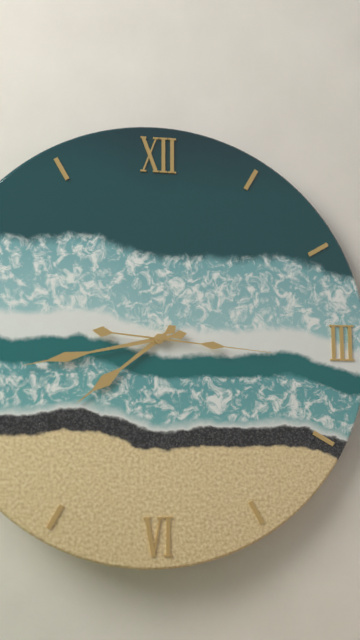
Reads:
h=7 m=43 s=16
